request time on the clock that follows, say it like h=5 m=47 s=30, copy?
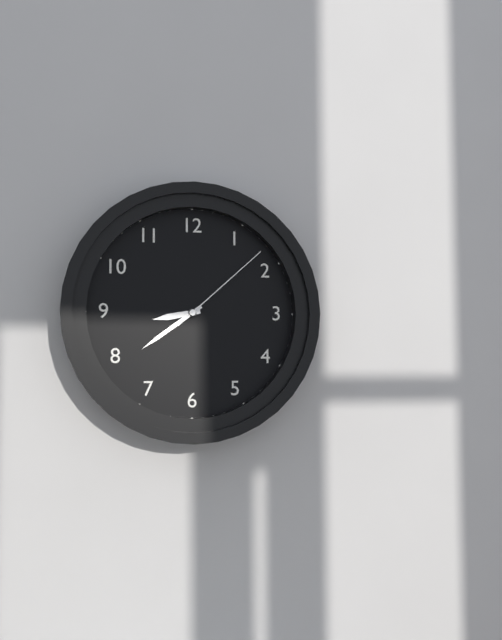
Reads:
h=8 m=39 s=8
